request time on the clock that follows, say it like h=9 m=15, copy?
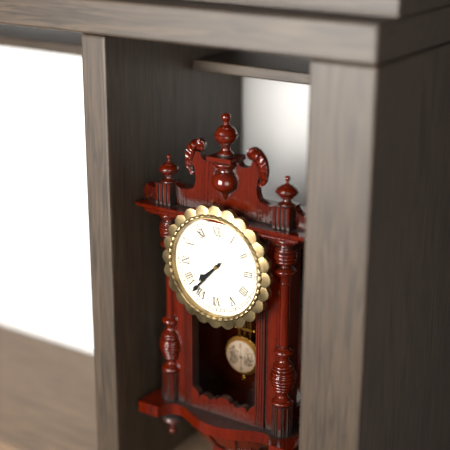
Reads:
h=7 m=37
